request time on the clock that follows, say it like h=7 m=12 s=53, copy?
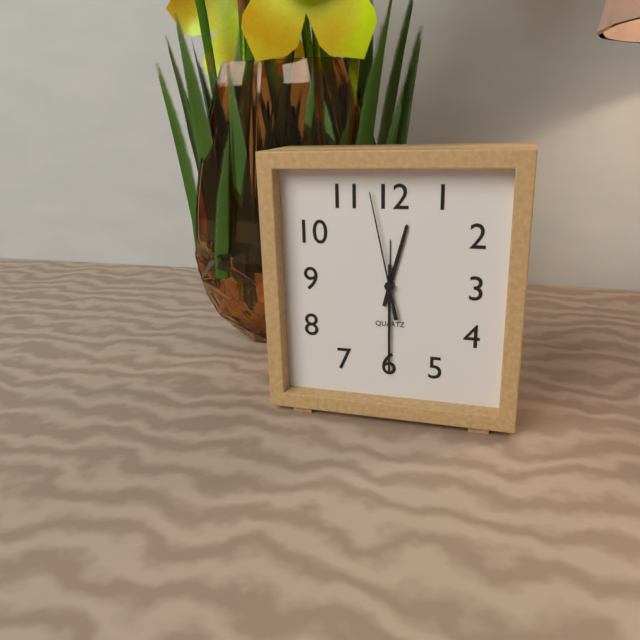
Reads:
h=12 m=30 s=58
